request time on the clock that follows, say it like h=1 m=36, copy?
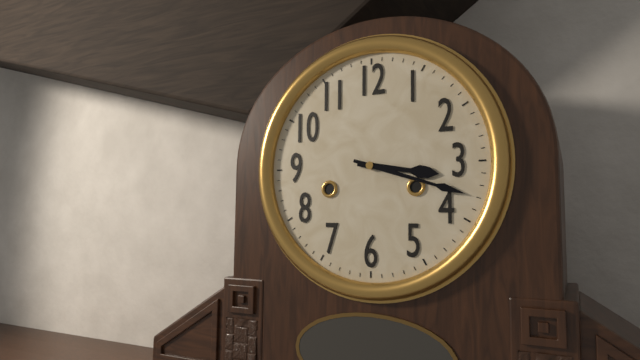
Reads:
h=3 m=18
